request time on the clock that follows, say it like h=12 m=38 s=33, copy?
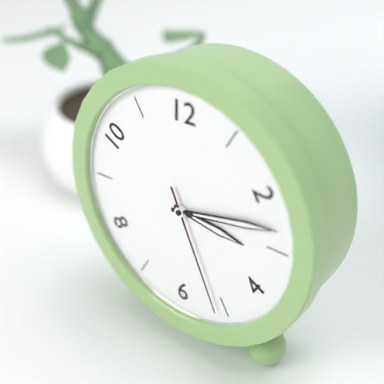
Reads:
h=3 m=13 s=26
